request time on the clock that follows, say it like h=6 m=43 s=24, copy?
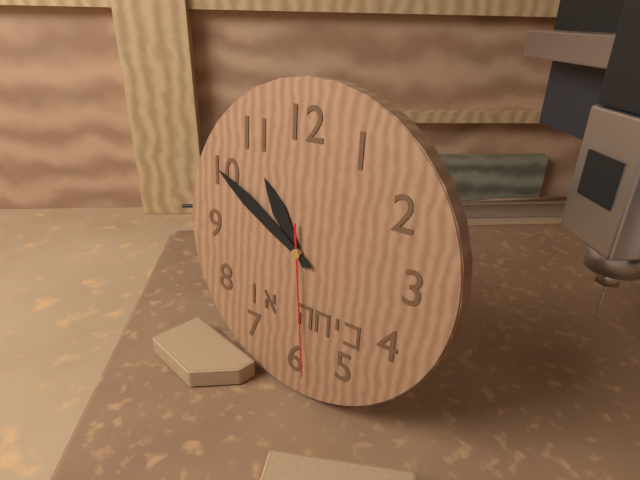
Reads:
h=10 m=50 s=29
